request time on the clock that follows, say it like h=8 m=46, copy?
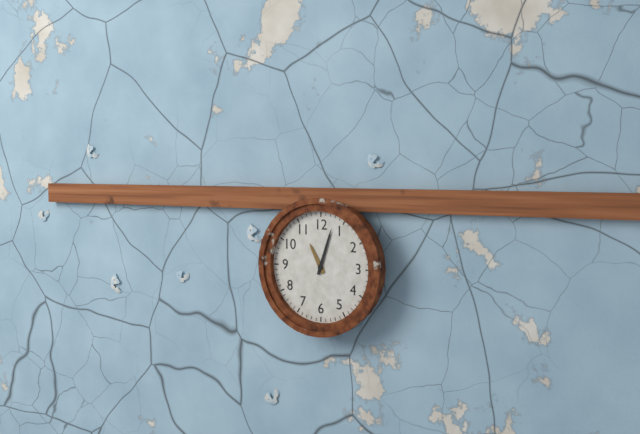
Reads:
h=11 m=3
